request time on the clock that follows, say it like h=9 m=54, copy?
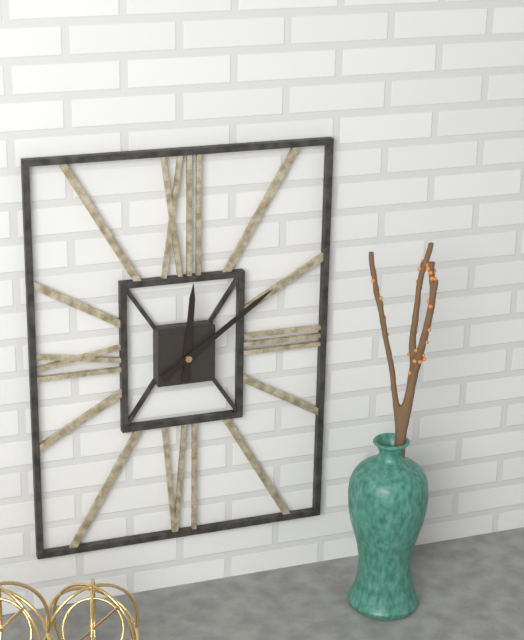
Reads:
h=12 m=9
